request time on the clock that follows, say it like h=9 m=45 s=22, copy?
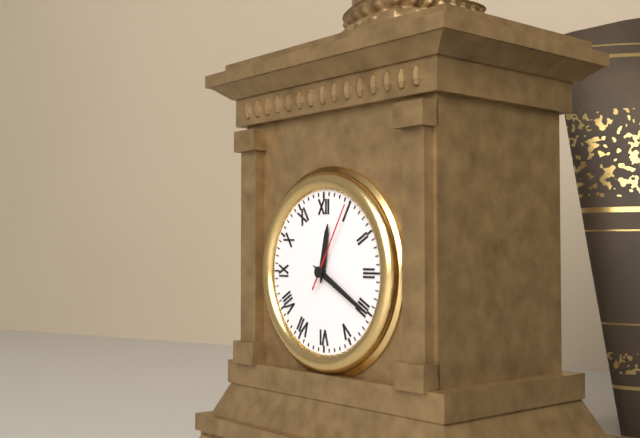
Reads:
h=12 m=20 s=5
